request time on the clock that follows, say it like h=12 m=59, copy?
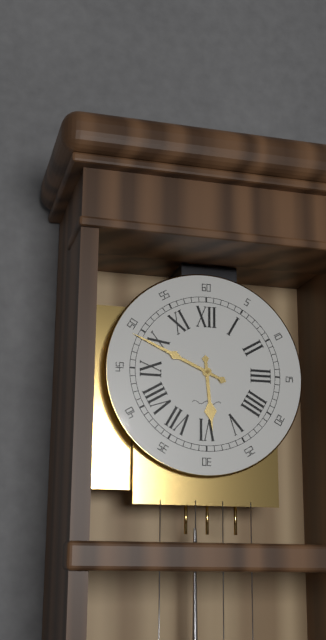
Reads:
h=5 m=49
